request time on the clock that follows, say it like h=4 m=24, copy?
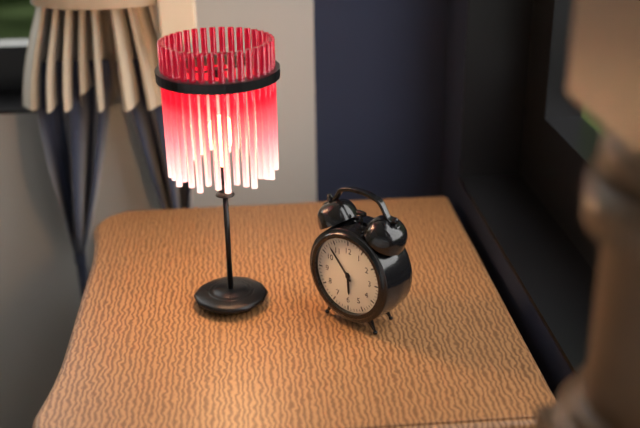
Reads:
h=5 m=53
